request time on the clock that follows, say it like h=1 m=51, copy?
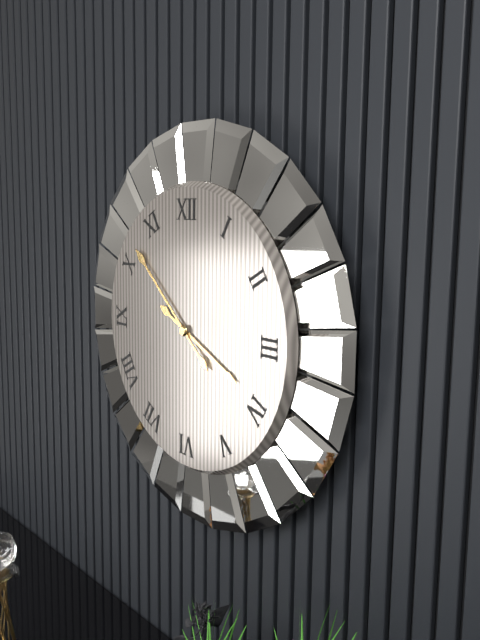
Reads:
h=3 m=52
